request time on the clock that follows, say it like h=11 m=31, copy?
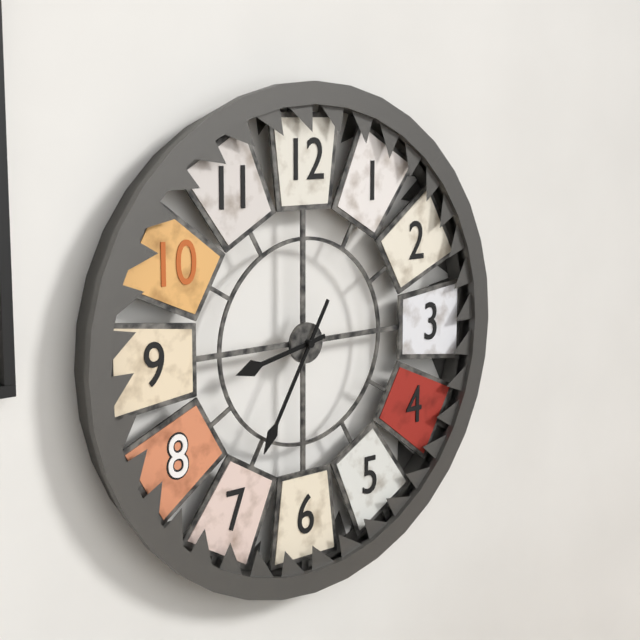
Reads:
h=8 m=35
